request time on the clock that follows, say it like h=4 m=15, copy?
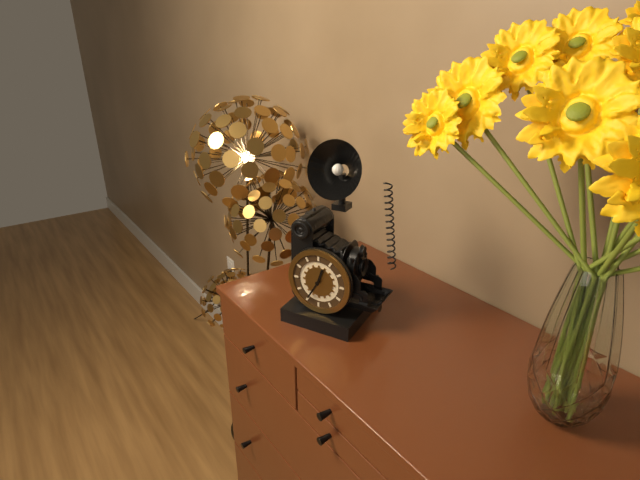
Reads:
h=12 m=35
